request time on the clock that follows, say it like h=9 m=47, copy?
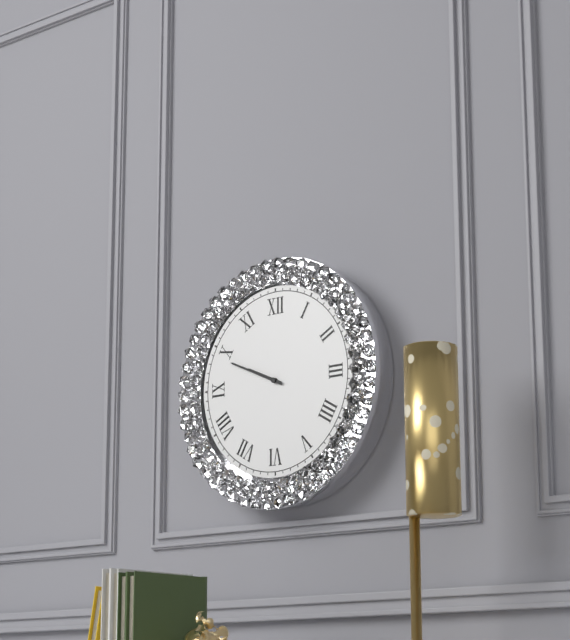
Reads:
h=9 m=49
